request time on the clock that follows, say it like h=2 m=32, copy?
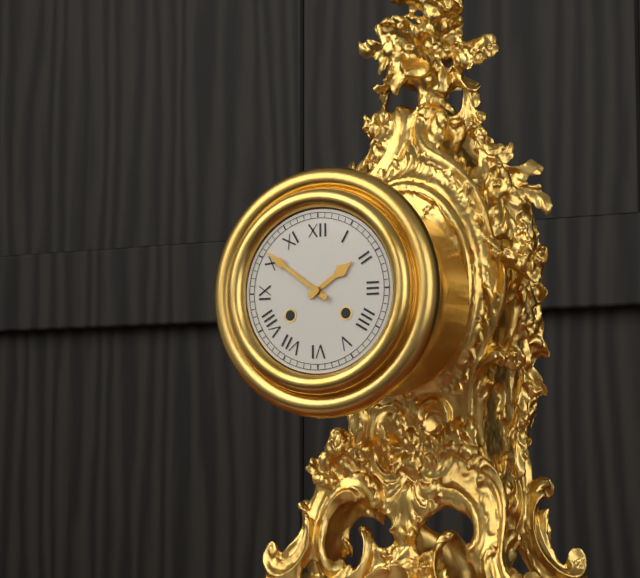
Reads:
h=1 m=51
